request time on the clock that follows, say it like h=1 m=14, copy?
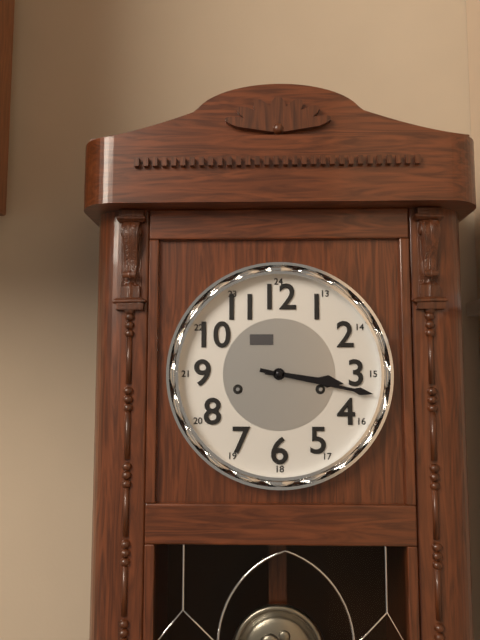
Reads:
h=3 m=17
